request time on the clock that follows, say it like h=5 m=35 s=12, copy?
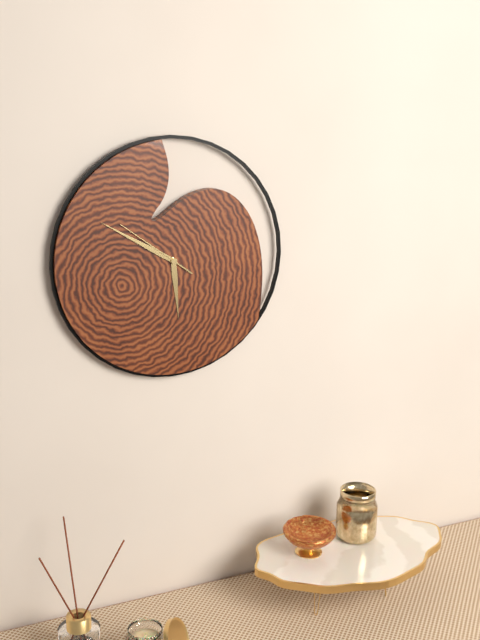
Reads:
h=5 m=50 s=51
